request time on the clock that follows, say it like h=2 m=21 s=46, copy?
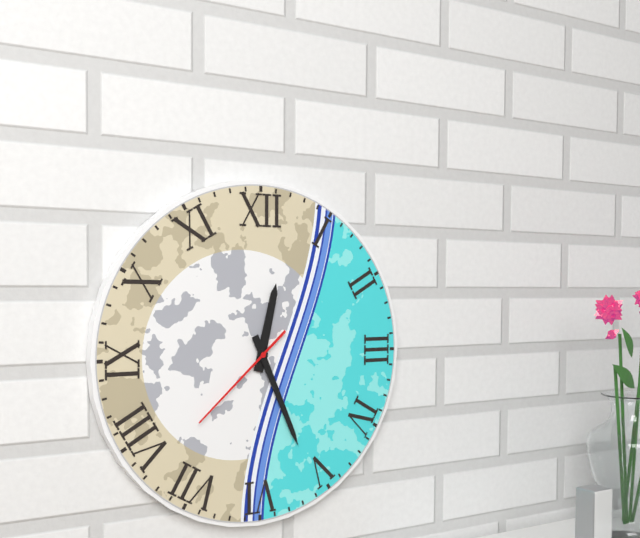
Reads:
h=12 m=26 s=38
